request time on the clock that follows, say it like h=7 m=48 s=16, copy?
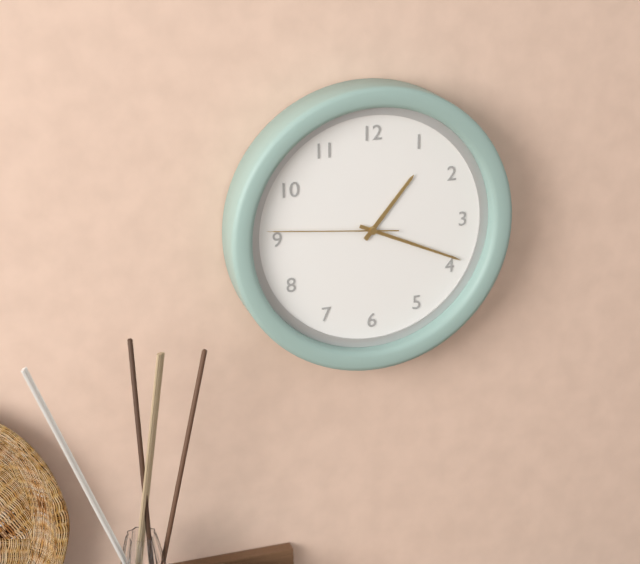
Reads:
h=1 m=19 s=46
